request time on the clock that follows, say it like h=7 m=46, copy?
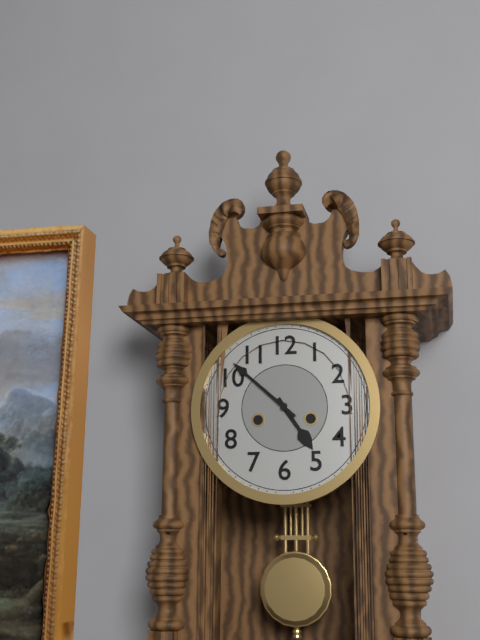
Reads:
h=4 m=52
